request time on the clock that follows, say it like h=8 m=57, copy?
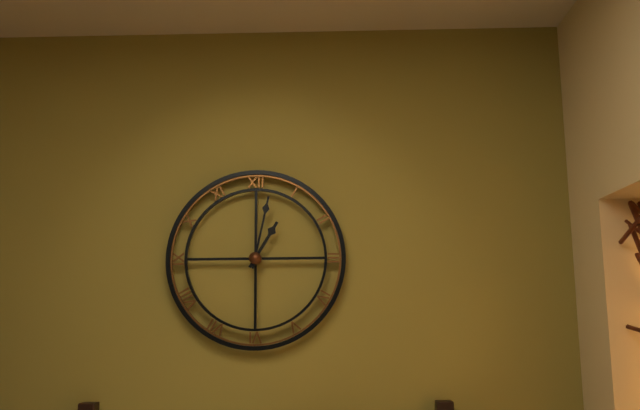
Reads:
h=1 m=2
